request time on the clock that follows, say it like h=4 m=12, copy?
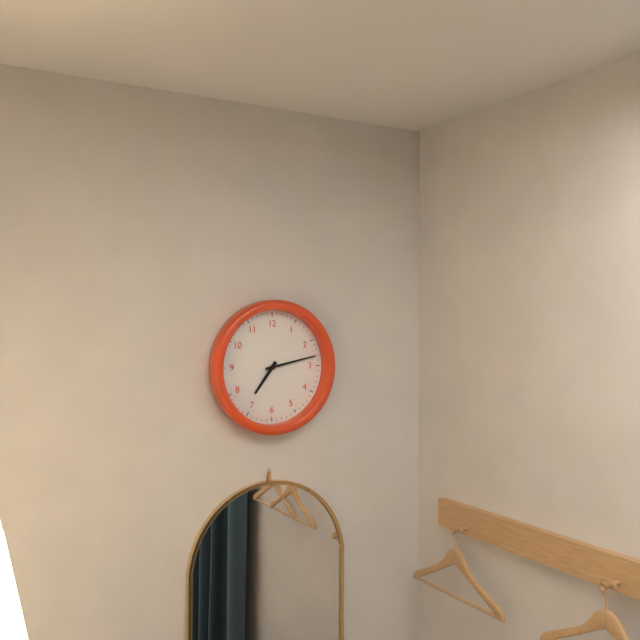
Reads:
h=7 m=13
